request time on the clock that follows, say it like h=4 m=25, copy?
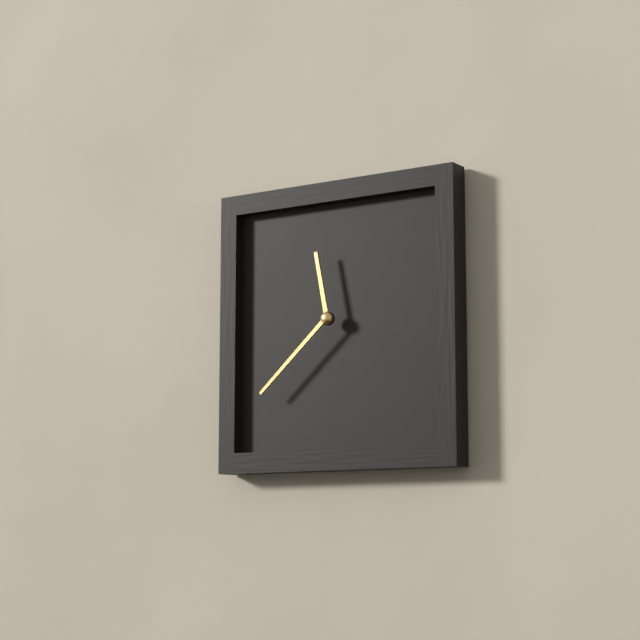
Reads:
h=11 m=38
